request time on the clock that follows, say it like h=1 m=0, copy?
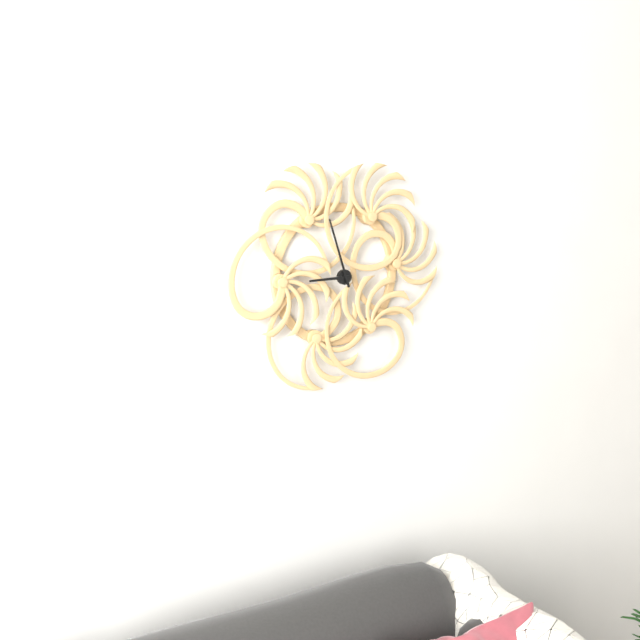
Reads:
h=8 m=57
